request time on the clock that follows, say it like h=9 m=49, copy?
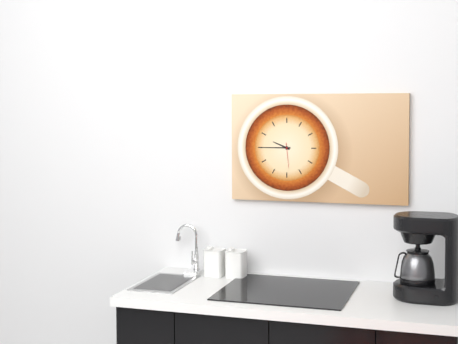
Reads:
h=9 m=45
